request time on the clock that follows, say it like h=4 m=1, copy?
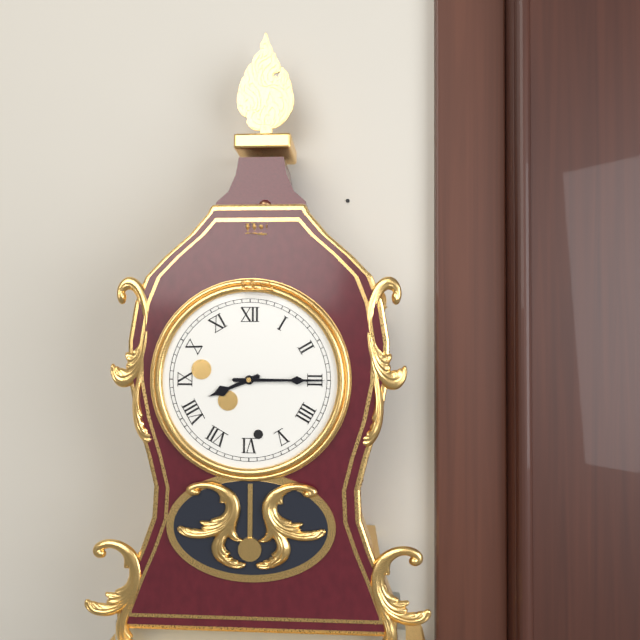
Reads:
h=8 m=15
